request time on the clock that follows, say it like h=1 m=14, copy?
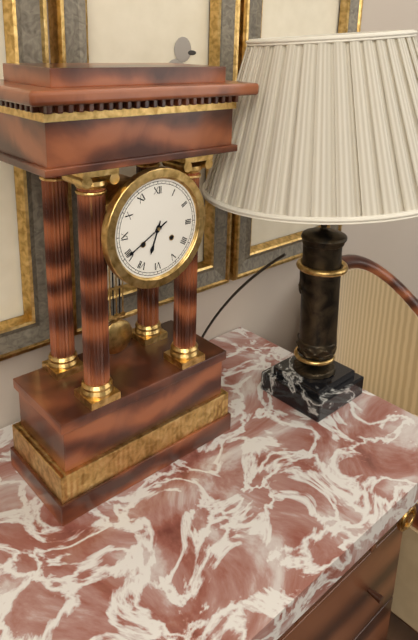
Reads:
h=6 m=40
